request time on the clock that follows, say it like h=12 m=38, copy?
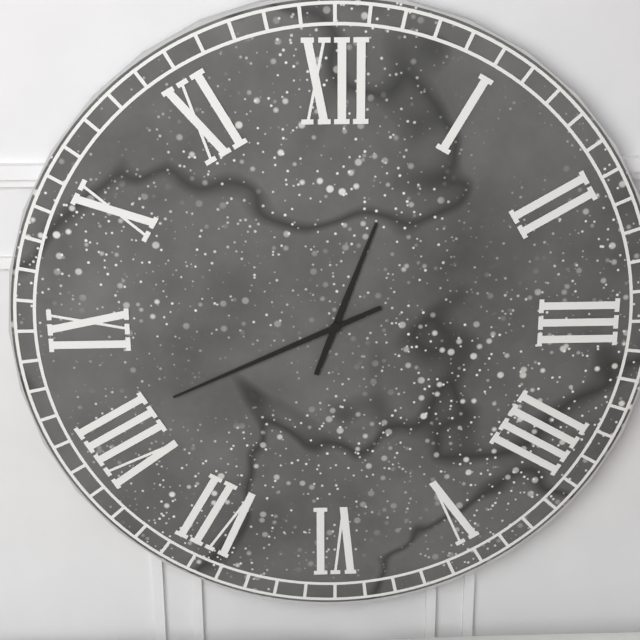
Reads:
h=12 m=41
